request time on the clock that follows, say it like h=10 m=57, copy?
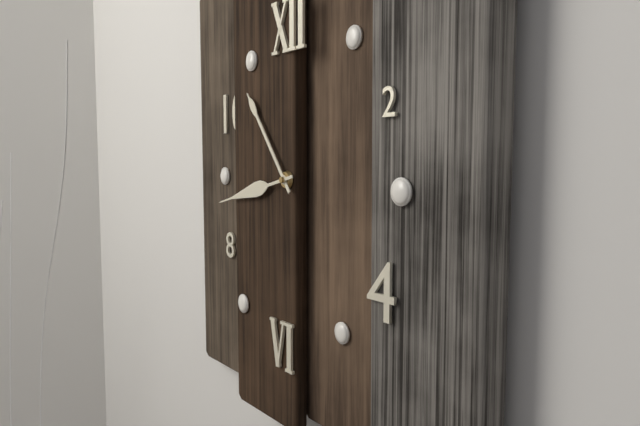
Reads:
h=10 m=43
